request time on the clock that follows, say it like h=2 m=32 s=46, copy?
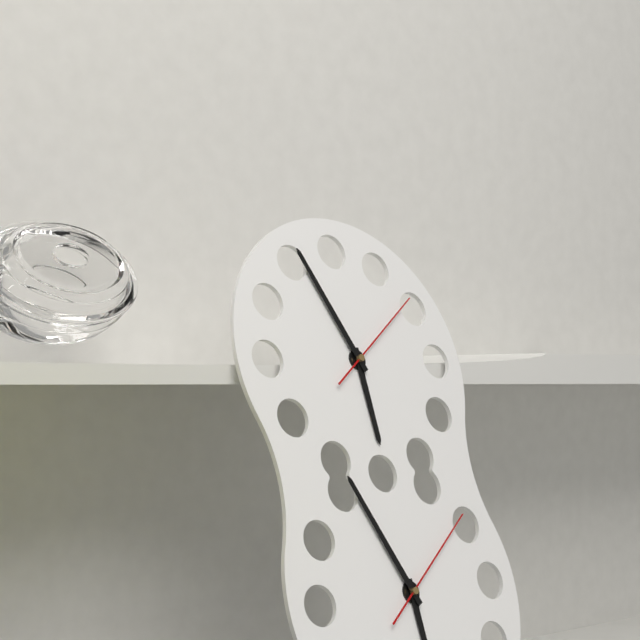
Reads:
h=5 m=56 s=9
